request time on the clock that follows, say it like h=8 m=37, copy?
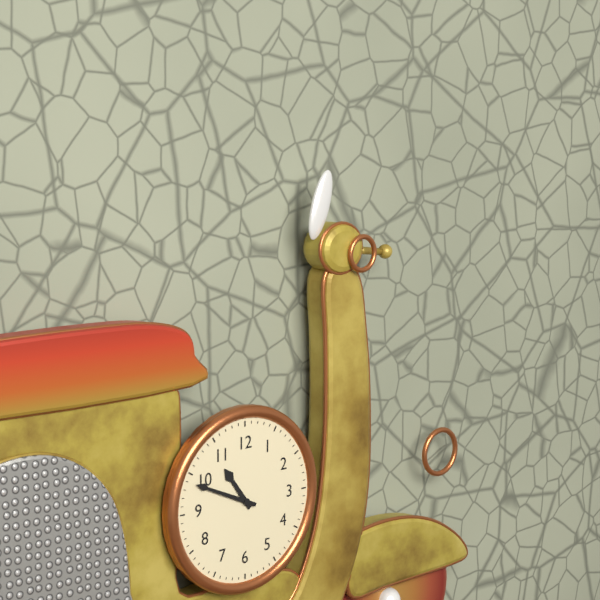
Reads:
h=10 m=49
